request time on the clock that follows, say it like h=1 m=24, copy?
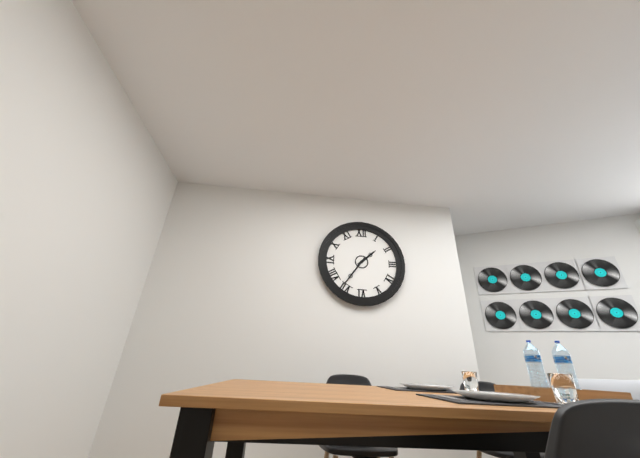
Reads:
h=1 m=36
